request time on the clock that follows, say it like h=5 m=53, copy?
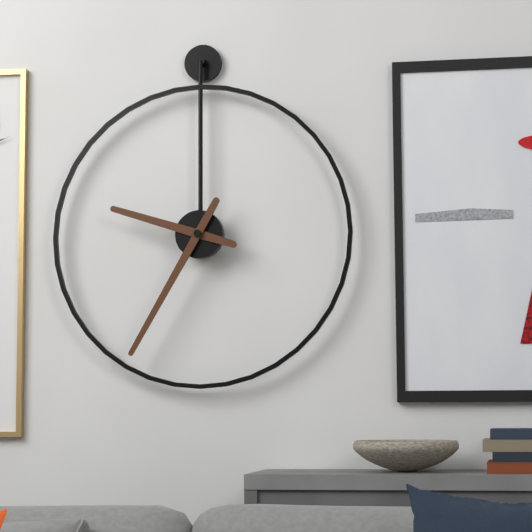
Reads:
h=9 m=35
